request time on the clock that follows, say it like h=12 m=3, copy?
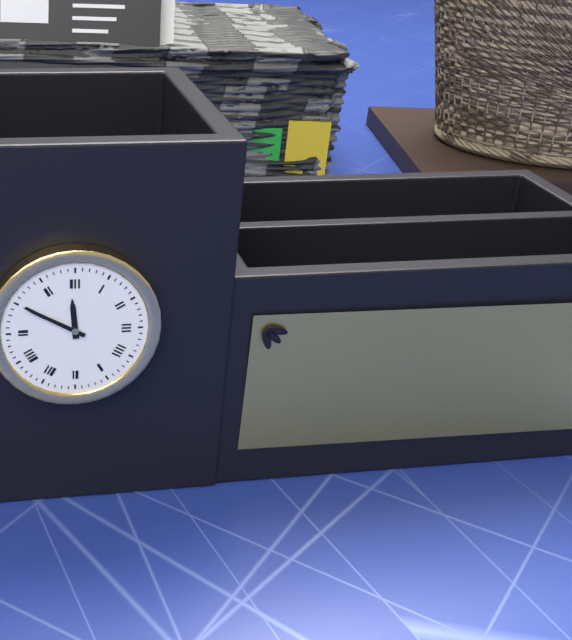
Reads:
h=11 m=50
